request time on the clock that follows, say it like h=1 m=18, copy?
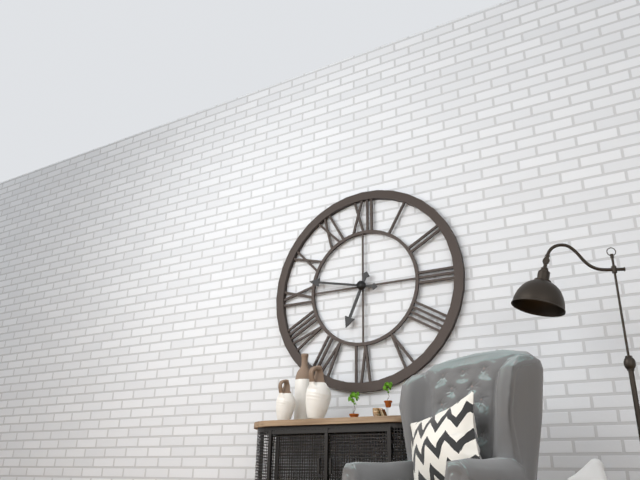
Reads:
h=6 m=47
